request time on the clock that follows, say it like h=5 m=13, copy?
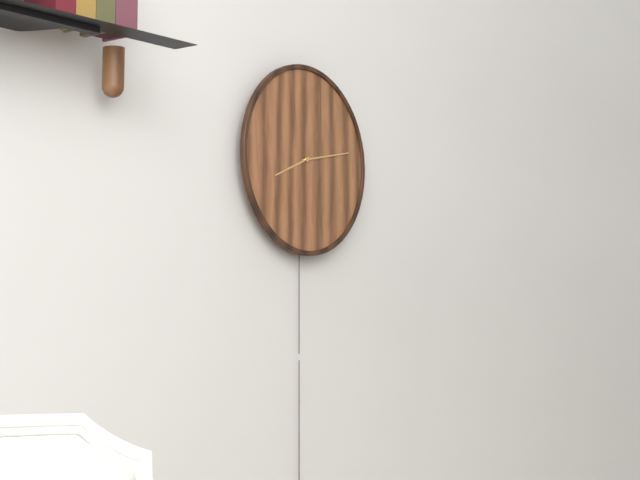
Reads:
h=8 m=13
